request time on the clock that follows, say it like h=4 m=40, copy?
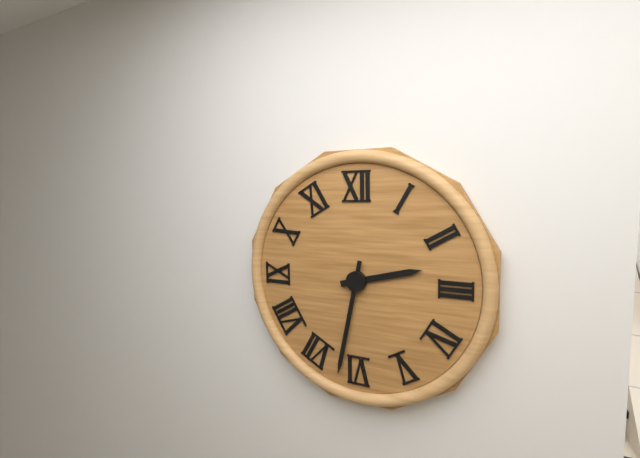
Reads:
h=2 m=32
